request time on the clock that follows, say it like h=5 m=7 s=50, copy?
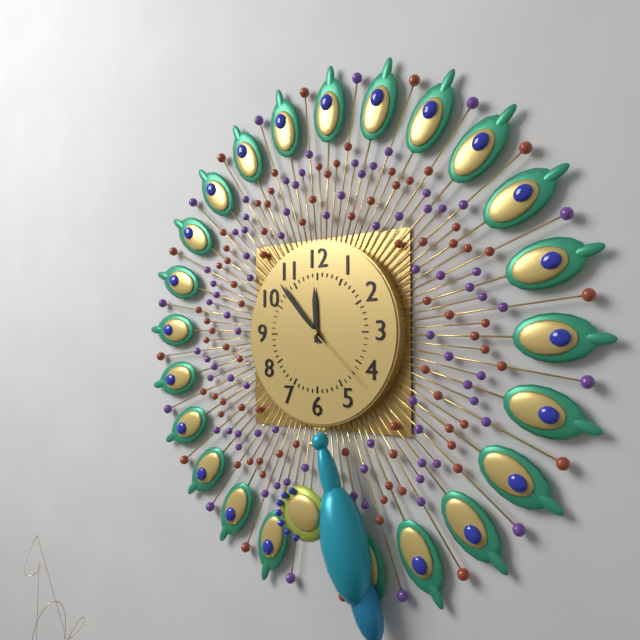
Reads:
h=11 m=53 s=22
